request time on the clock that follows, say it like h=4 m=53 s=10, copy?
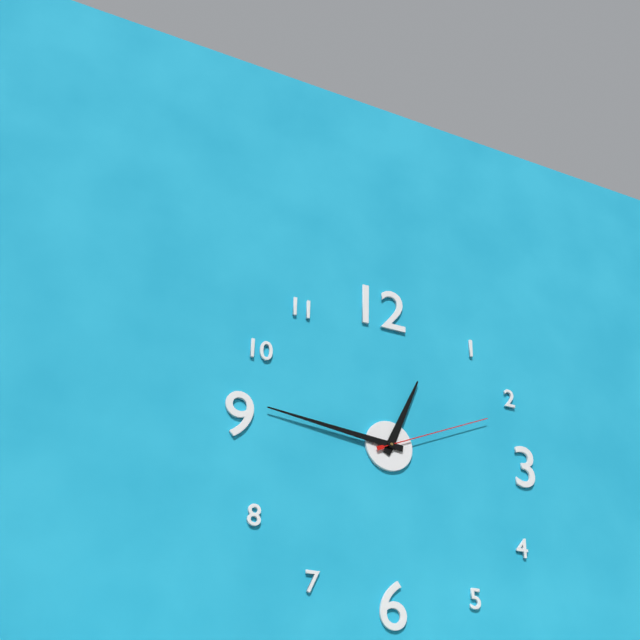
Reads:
h=12 m=46 s=11
